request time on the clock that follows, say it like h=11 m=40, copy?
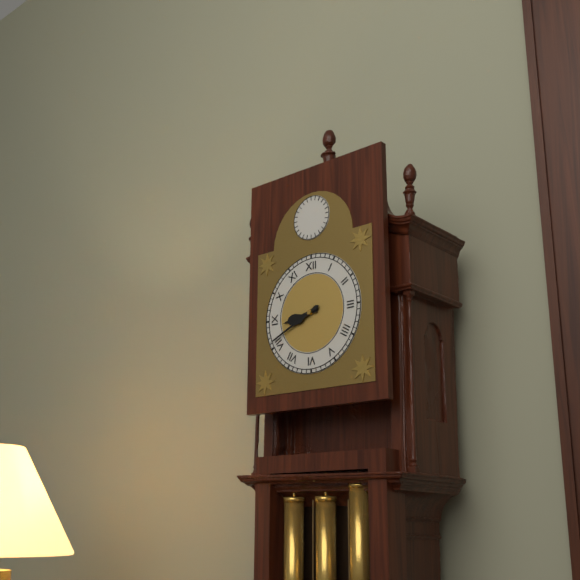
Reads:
h=8 m=41
